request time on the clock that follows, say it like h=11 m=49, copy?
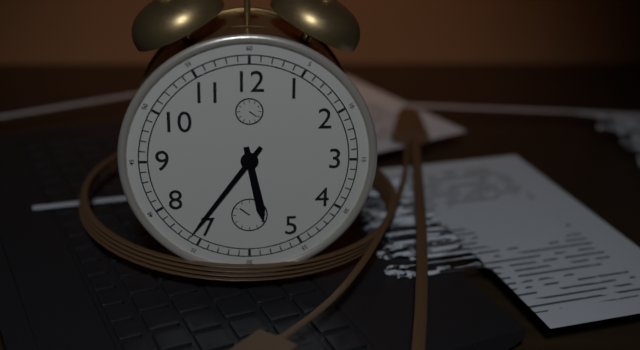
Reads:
h=5 m=36
